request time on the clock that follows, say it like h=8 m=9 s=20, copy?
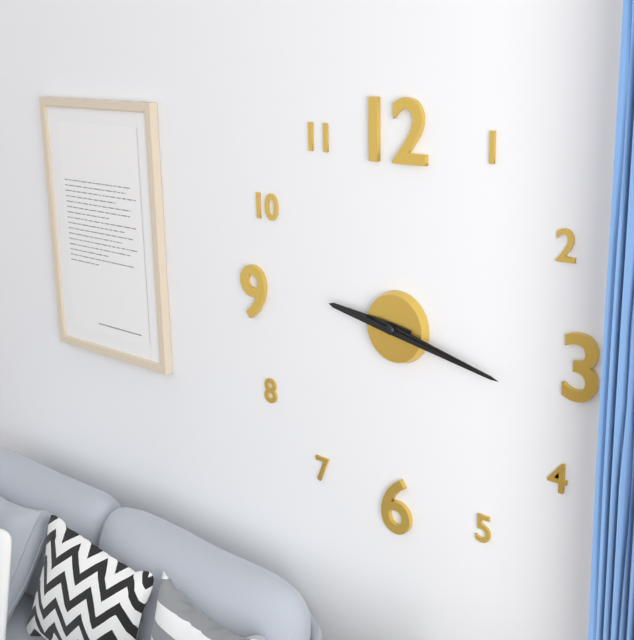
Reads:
h=9 m=17 s=17
